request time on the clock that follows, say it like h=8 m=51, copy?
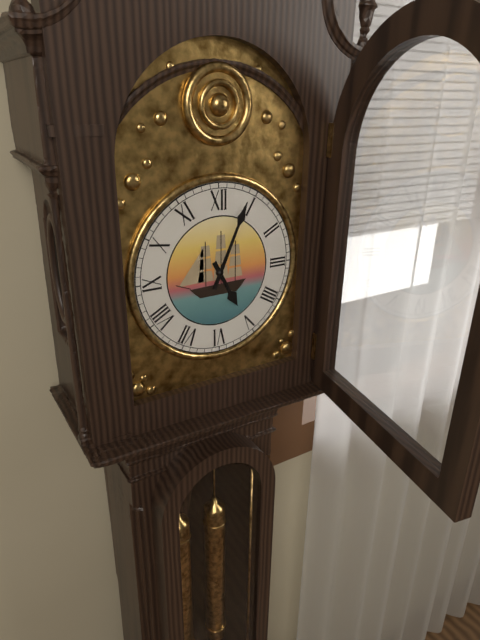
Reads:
h=5 m=4
